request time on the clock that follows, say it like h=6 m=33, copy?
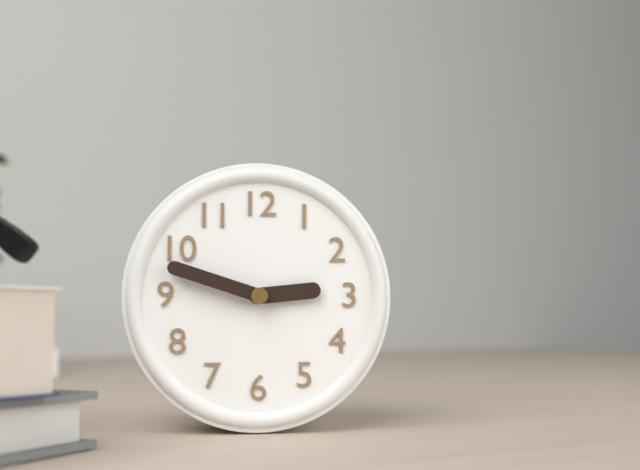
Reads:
h=2 m=48
